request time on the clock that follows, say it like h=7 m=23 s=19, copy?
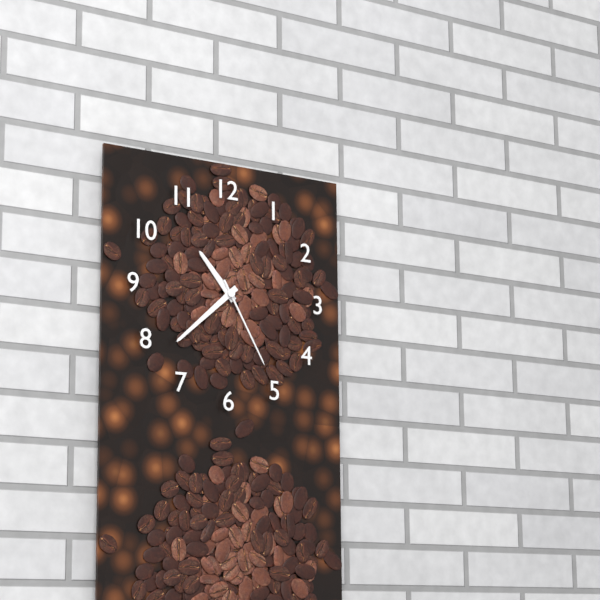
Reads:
h=10 m=38 s=25
